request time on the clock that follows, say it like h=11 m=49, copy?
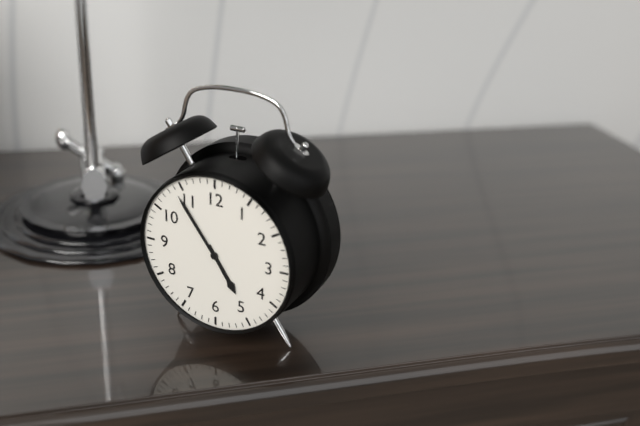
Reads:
h=4 m=54
